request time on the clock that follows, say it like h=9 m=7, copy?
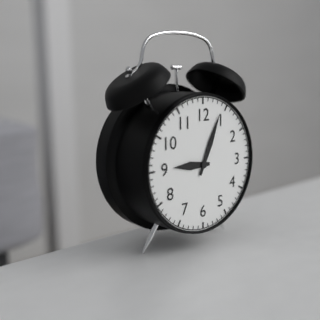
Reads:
h=9 m=4
